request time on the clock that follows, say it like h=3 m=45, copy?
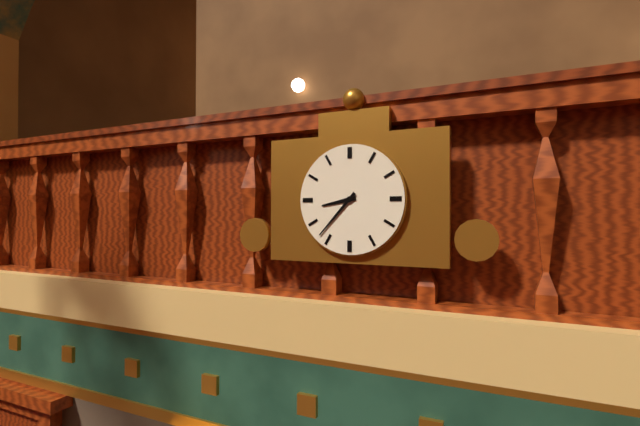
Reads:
h=8 m=37
